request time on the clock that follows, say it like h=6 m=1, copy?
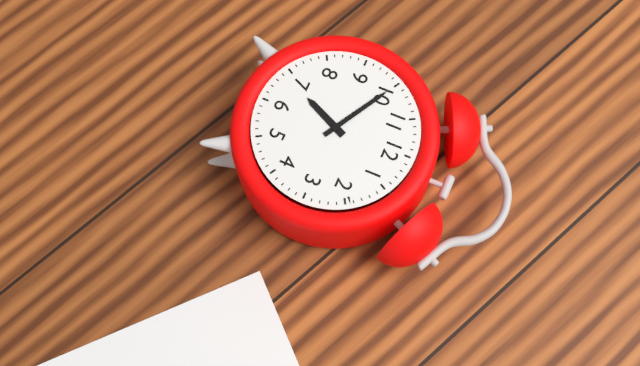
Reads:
h=6 m=50
